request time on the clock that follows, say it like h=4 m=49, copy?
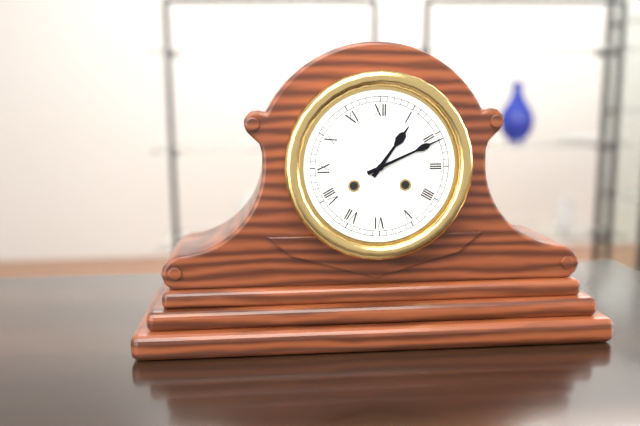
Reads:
h=1 m=11
